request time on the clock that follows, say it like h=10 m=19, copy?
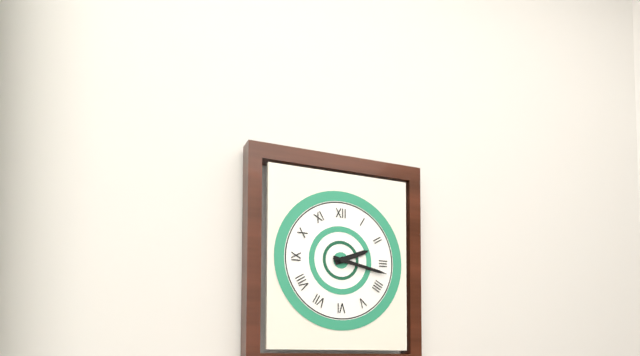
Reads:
h=2 m=17
